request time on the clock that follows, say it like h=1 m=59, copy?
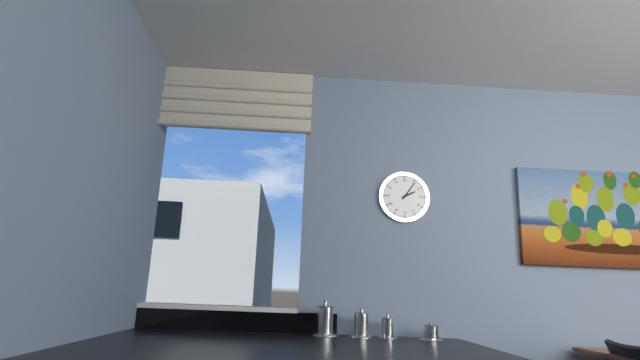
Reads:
h=2 m=6
